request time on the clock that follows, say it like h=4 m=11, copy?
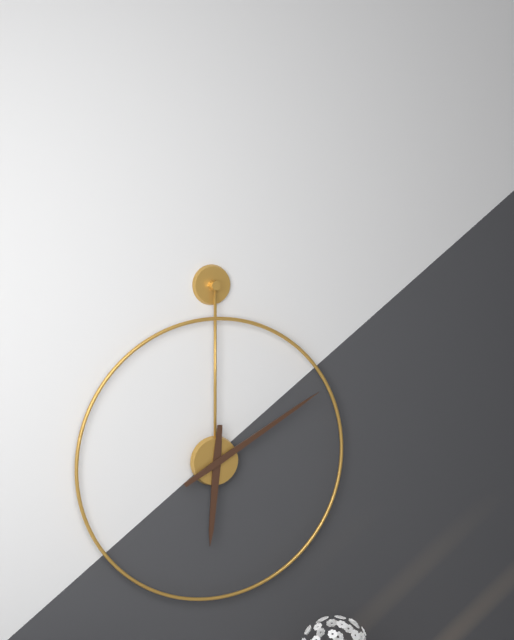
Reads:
h=6 m=10
